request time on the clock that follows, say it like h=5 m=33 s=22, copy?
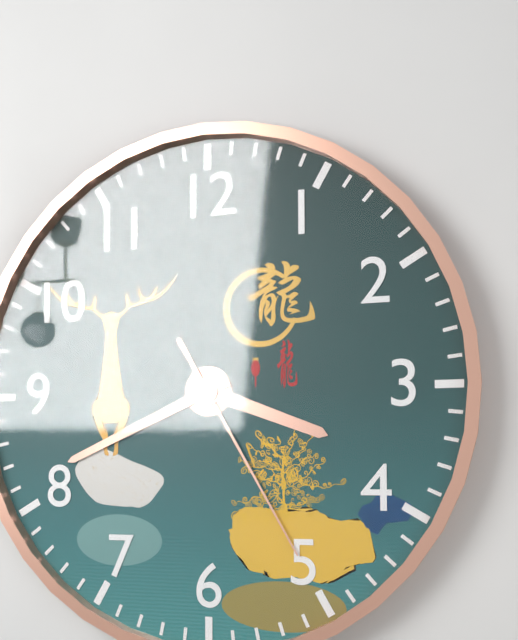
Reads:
h=3 m=41 s=25
